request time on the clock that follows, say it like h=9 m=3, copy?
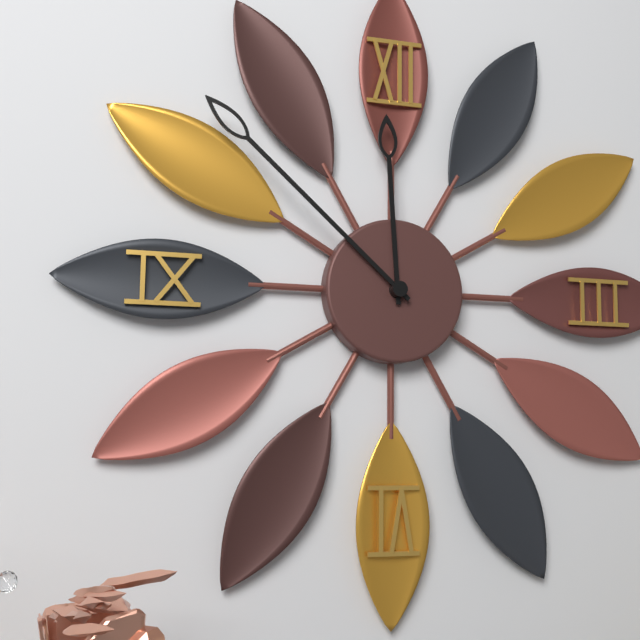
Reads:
h=11 m=52
